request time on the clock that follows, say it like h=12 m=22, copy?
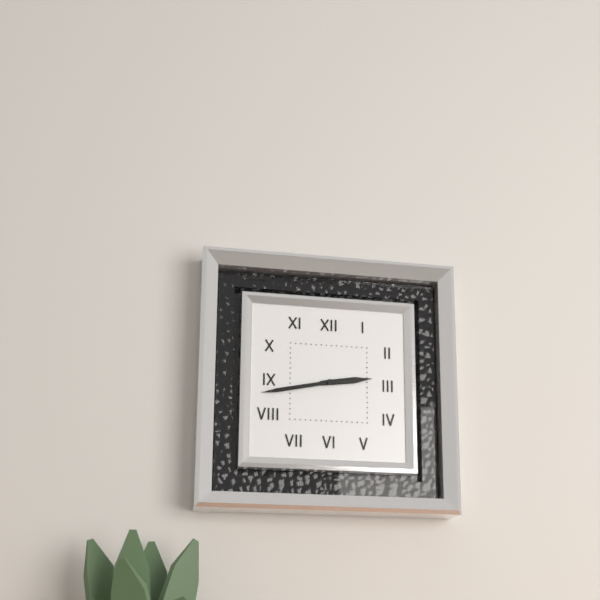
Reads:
h=2 m=43
